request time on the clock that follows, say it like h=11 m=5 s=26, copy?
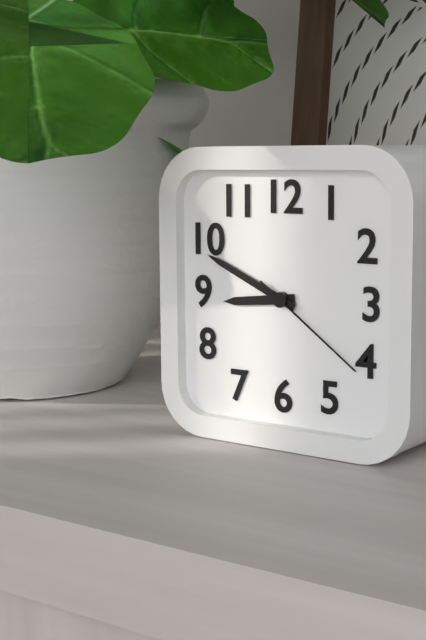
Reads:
h=8 m=49 s=21
